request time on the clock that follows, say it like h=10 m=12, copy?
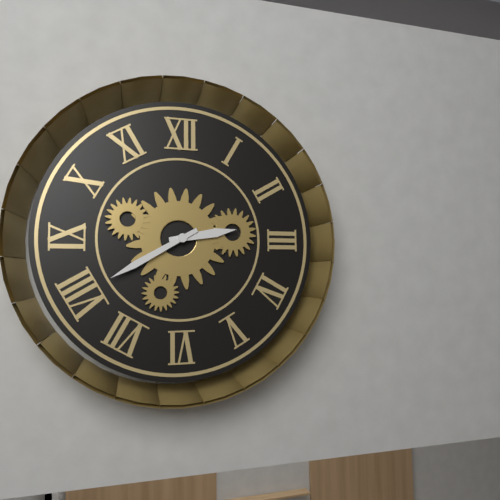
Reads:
h=2 m=40
